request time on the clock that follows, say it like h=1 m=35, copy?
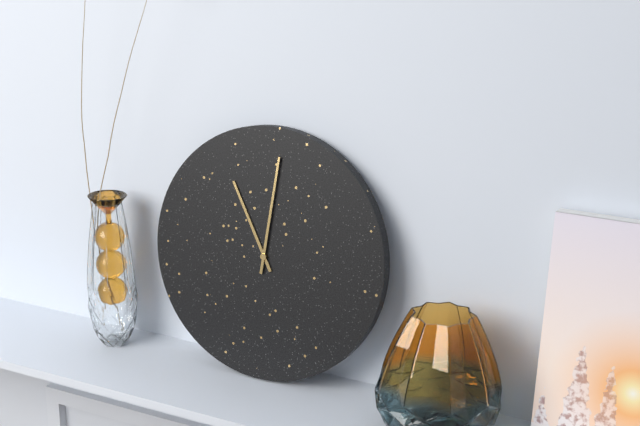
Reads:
h=11 m=1
